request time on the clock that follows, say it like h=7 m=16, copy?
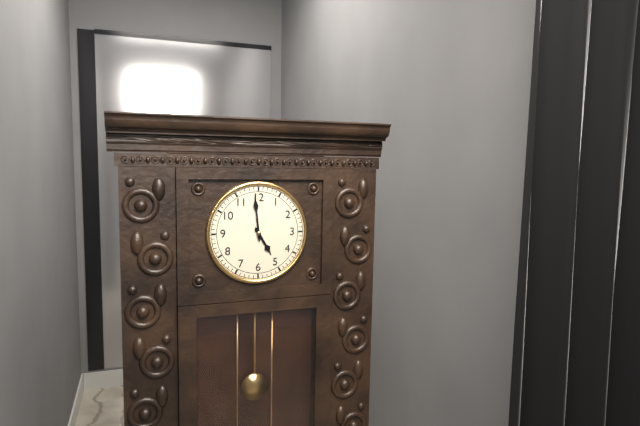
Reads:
h=4 m=59
